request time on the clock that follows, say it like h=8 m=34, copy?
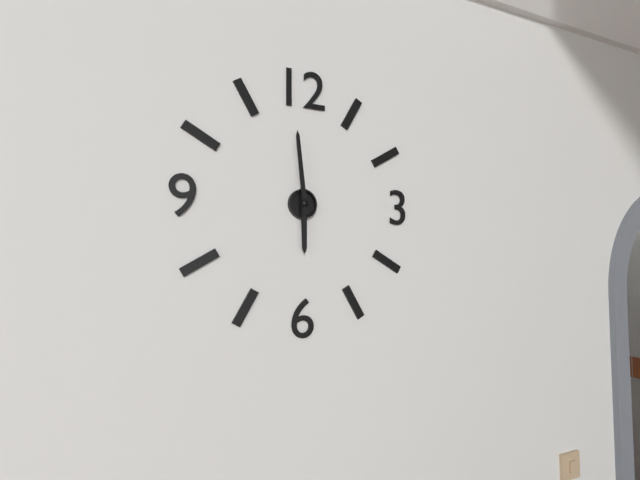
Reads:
h=5 m=59
